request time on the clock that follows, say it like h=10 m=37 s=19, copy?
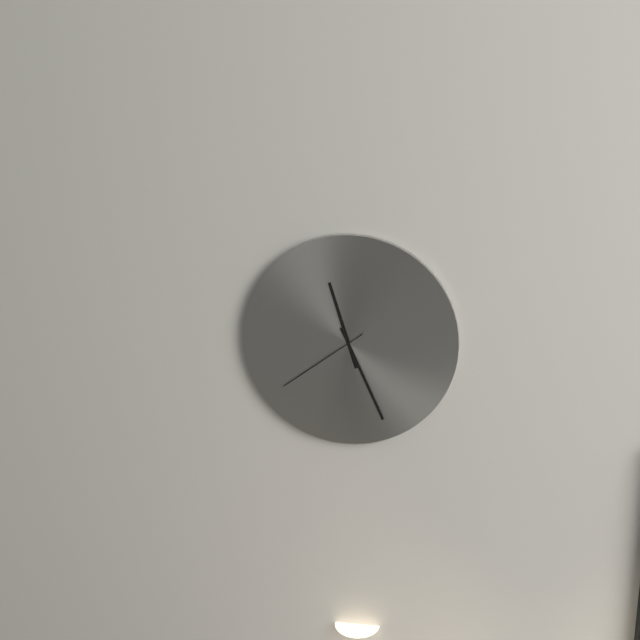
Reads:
h=11 m=26 s=39
